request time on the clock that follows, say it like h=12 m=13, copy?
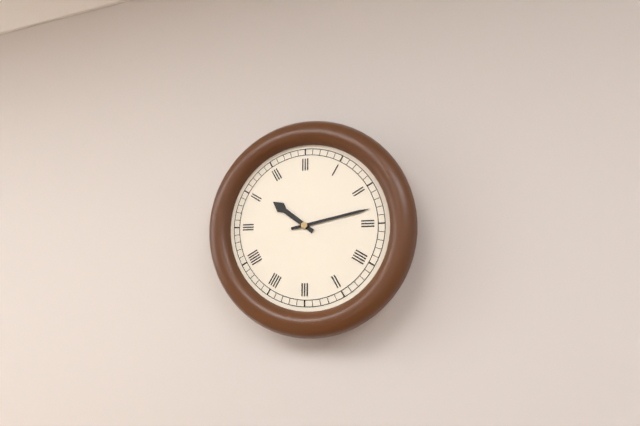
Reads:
h=10 m=13
